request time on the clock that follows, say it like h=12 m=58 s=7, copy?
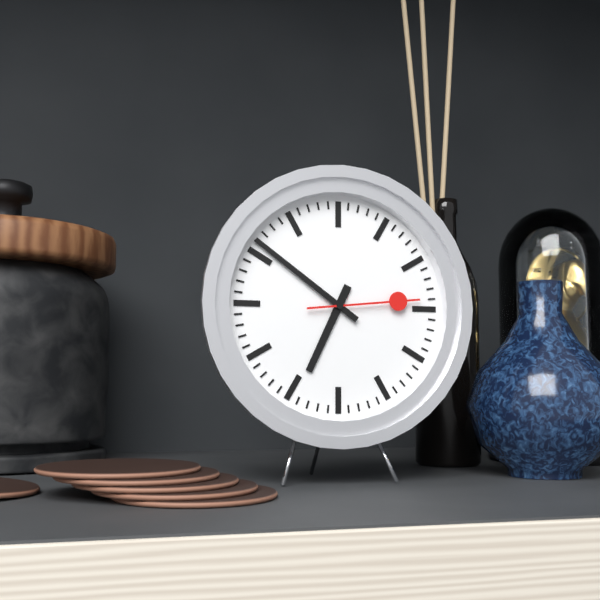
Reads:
h=6 m=51 s=14
